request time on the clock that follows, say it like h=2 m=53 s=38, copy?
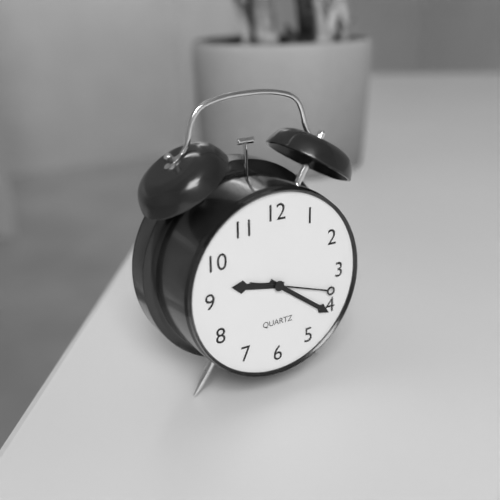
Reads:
h=9 m=21 s=18
